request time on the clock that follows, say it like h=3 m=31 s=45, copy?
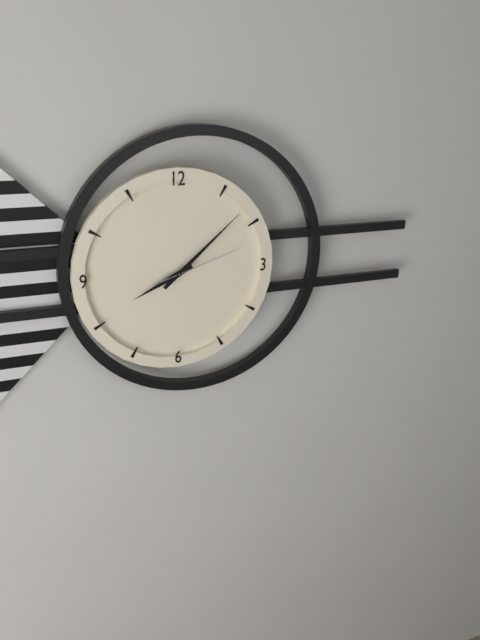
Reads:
h=8 m=8 s=12
